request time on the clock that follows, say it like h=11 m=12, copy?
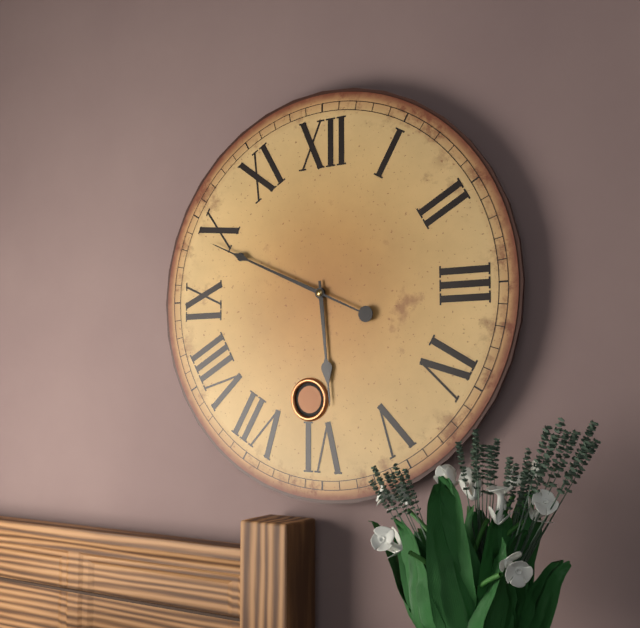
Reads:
h=5 m=49
